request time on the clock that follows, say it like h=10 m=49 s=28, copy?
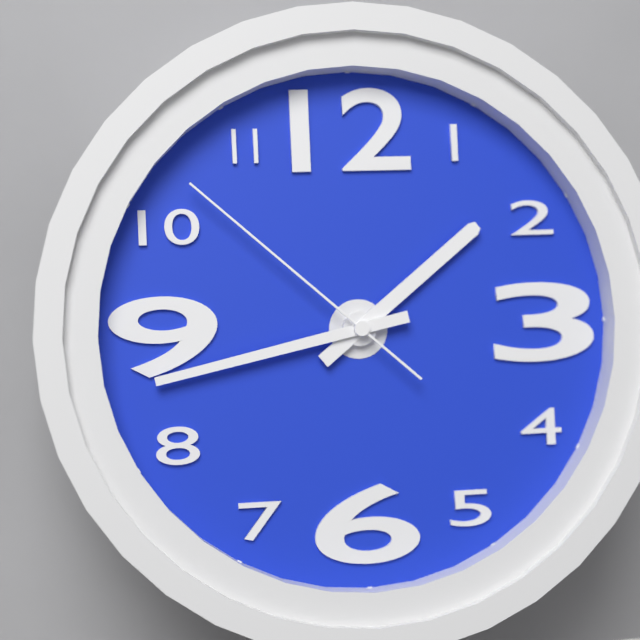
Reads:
h=1 m=43 s=52
